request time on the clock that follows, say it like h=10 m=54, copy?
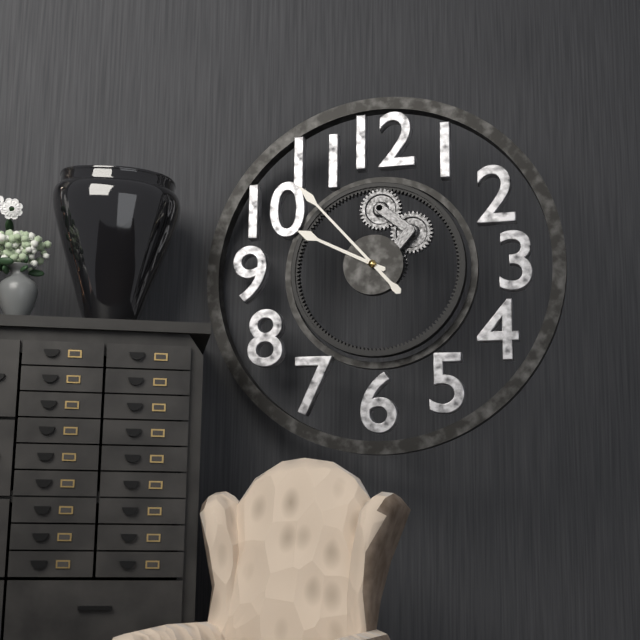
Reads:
h=9 m=53
